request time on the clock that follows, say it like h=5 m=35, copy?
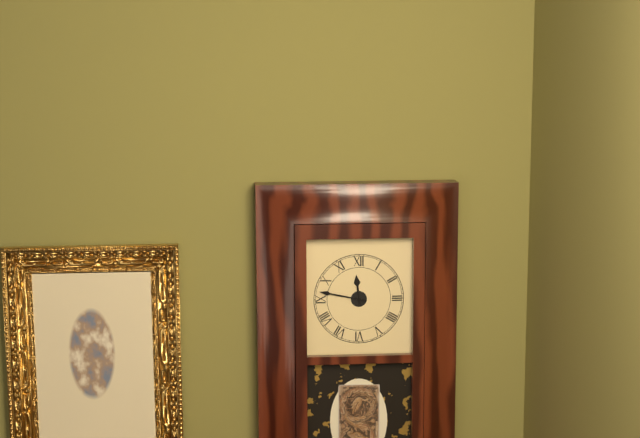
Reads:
h=11 m=47
